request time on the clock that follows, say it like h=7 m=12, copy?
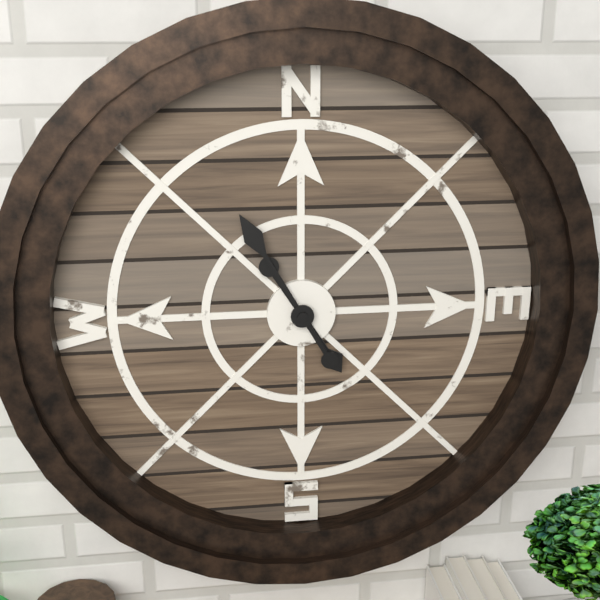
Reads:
h=4 m=55
